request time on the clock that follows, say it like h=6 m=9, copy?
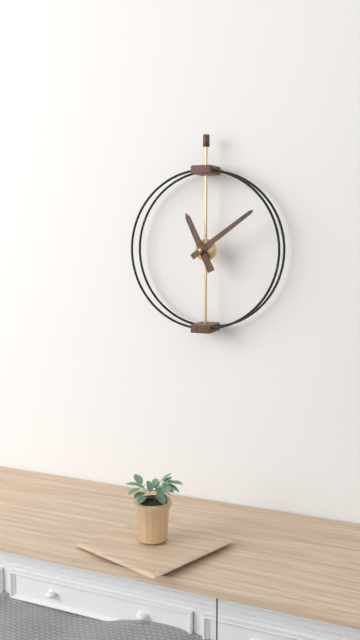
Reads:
h=11 m=9
